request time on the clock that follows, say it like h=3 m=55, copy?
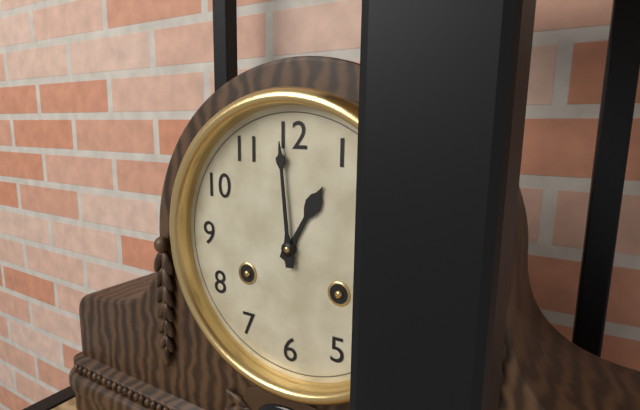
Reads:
h=12 m=59
